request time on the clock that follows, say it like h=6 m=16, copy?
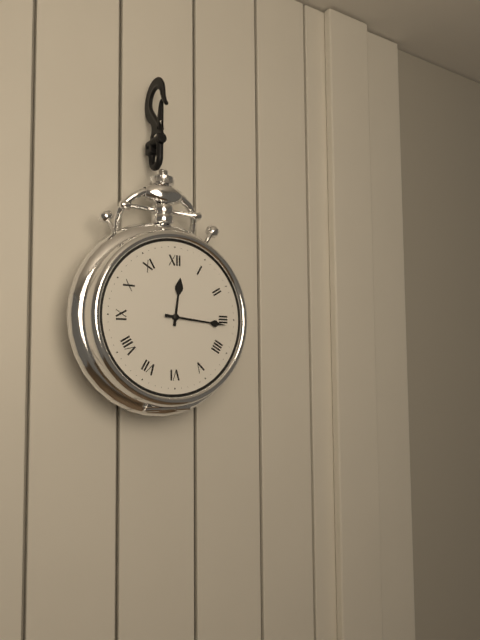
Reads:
h=12 m=16
